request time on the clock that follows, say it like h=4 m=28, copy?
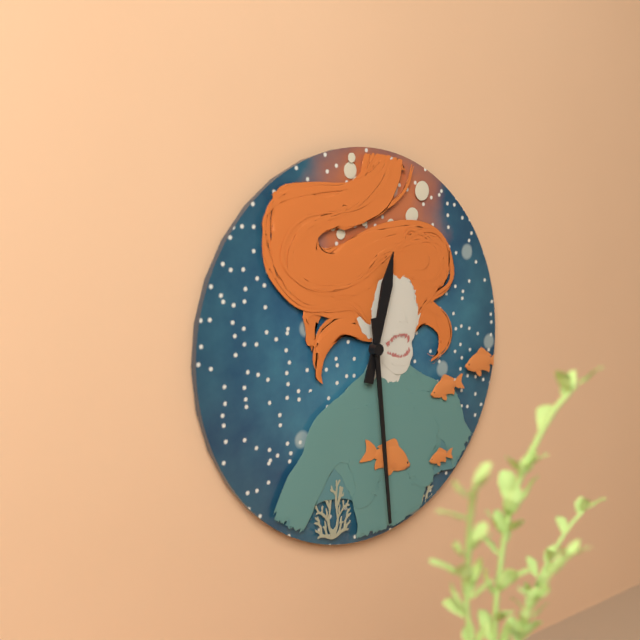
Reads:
h=12 m=29
